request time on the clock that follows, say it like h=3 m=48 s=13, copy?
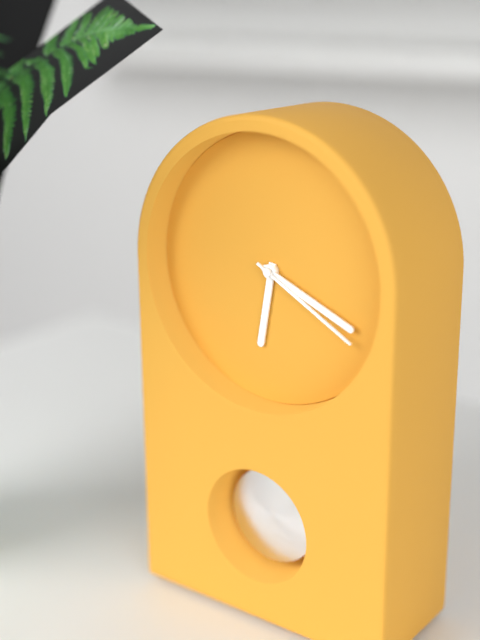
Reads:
h=6 m=19 s=20
